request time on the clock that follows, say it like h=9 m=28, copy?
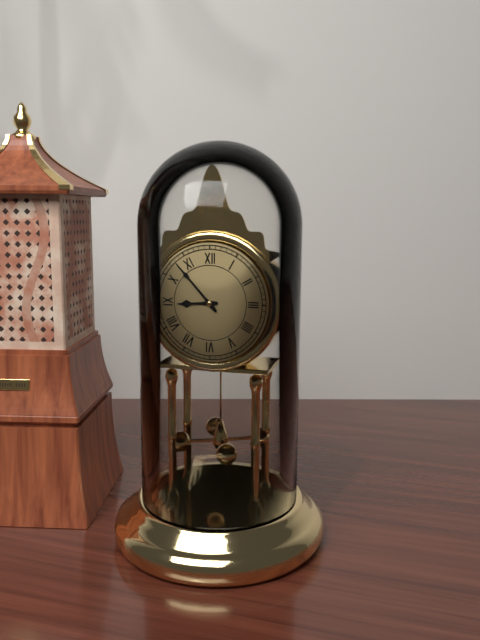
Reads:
h=8 m=53
